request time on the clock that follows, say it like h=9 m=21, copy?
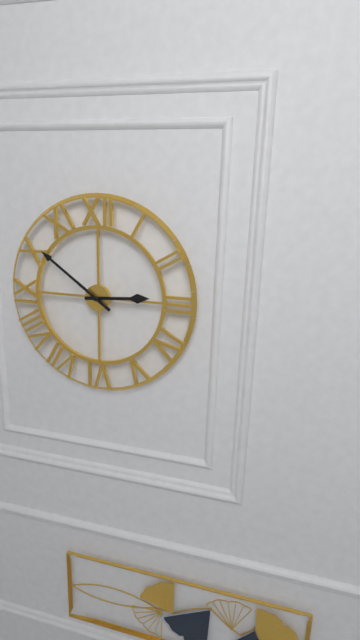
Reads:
h=2 m=51
